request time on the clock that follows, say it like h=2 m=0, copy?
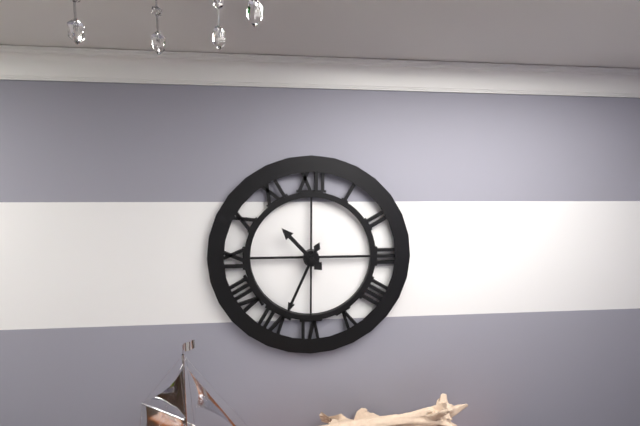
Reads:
h=10 m=34
